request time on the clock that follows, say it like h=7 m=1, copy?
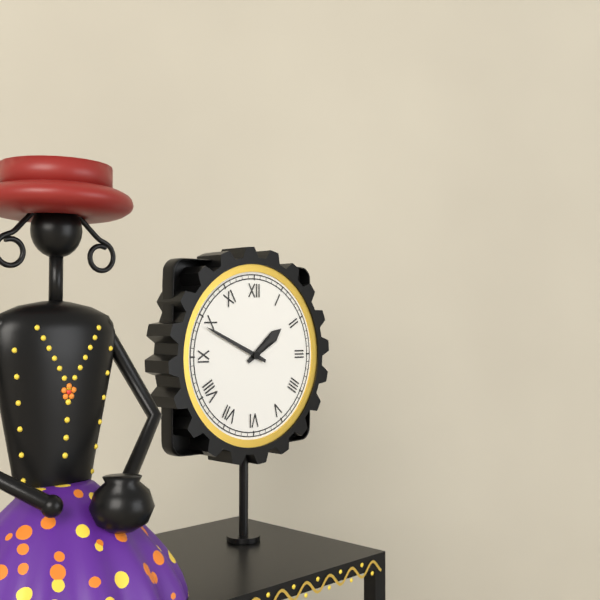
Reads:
h=1 m=49
